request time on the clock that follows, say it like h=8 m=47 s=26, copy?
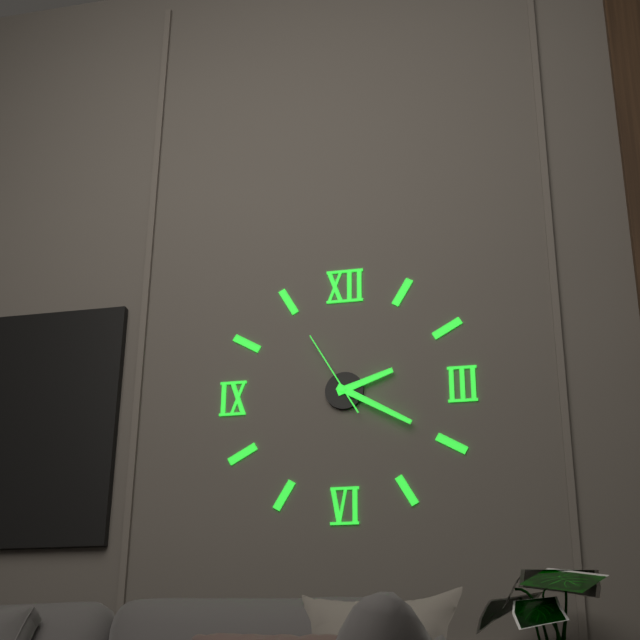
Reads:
h=2 m=20 s=55
